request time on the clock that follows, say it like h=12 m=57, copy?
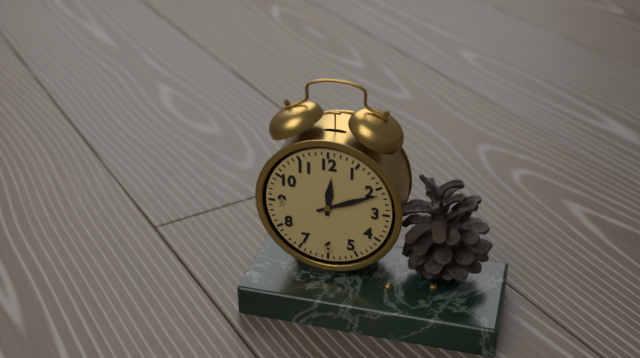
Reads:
h=12 m=11
